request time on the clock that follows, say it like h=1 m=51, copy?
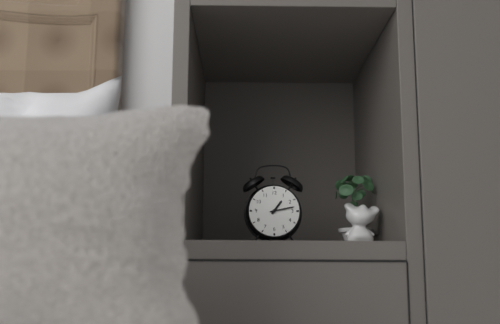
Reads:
h=1 m=13
